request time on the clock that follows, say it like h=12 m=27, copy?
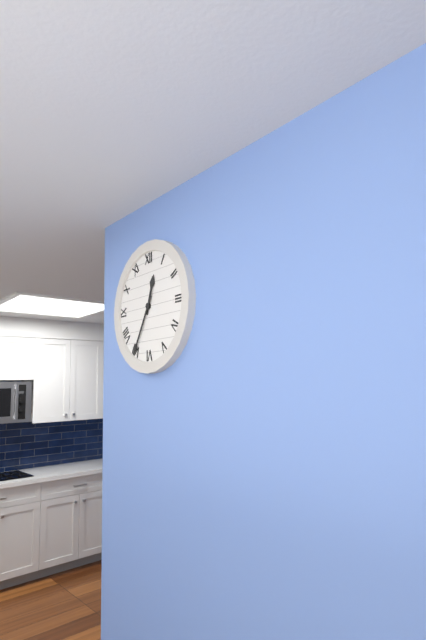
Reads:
h=12 m=35
